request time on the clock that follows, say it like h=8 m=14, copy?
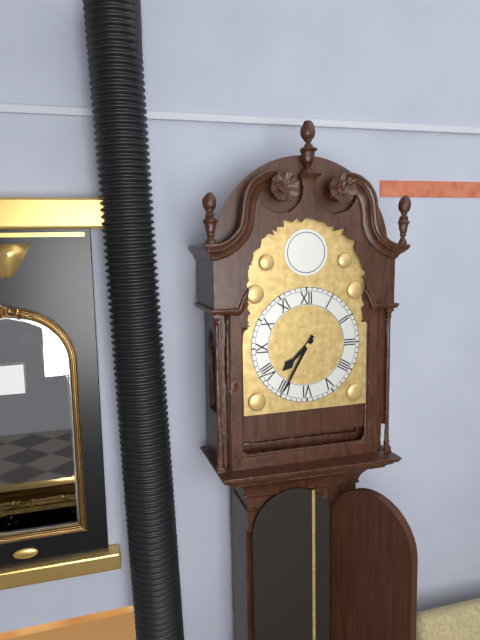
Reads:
h=7 m=35
